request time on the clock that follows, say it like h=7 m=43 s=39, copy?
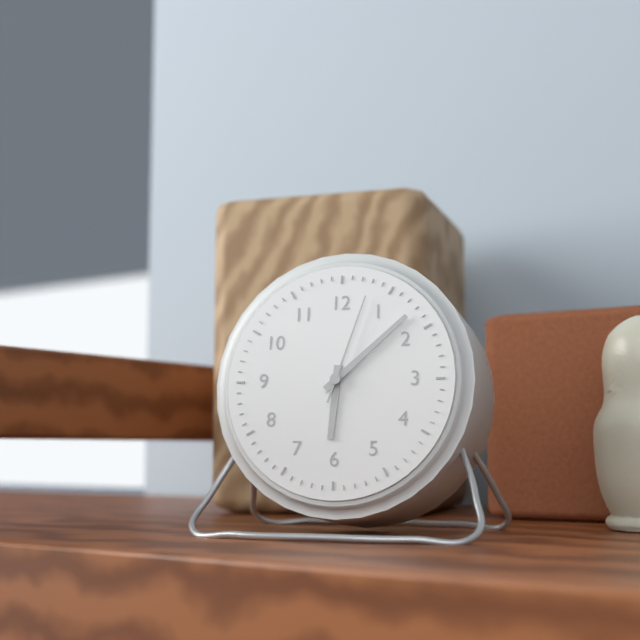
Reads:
h=6 m=8 s=3
